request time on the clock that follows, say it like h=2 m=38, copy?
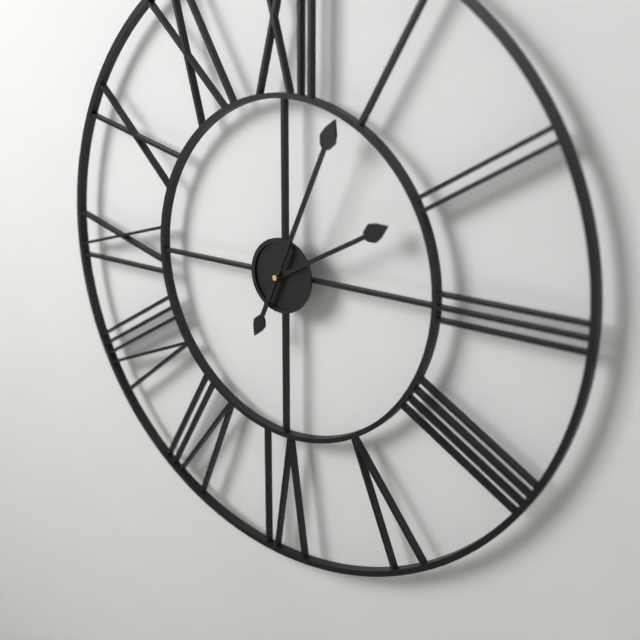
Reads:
h=2 m=4
